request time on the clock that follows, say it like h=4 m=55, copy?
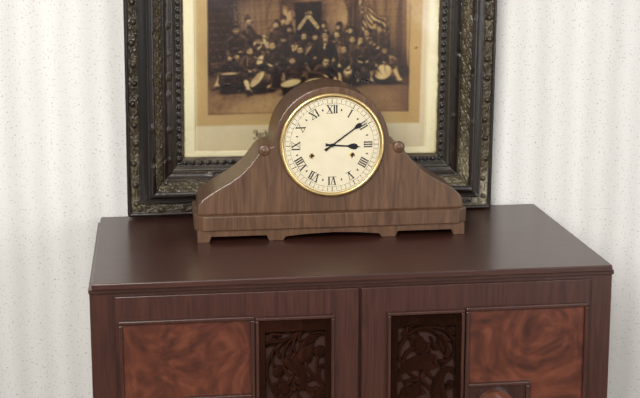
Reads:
h=3 m=9
